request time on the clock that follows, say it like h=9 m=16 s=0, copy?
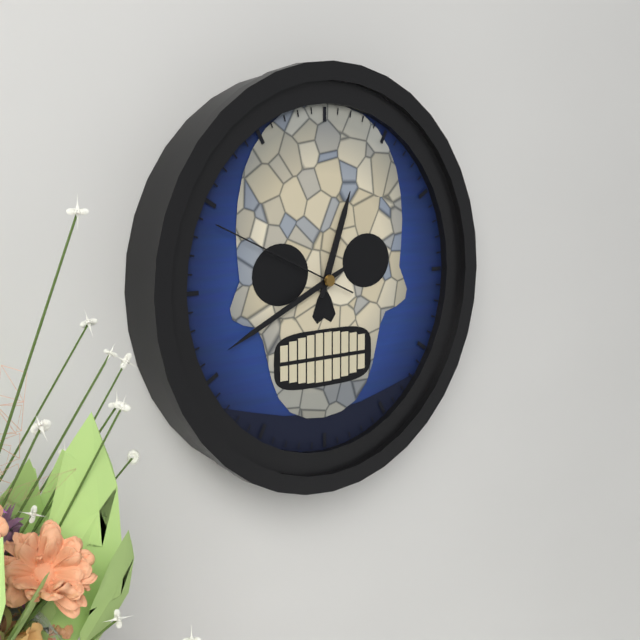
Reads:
h=12 m=41 s=49
